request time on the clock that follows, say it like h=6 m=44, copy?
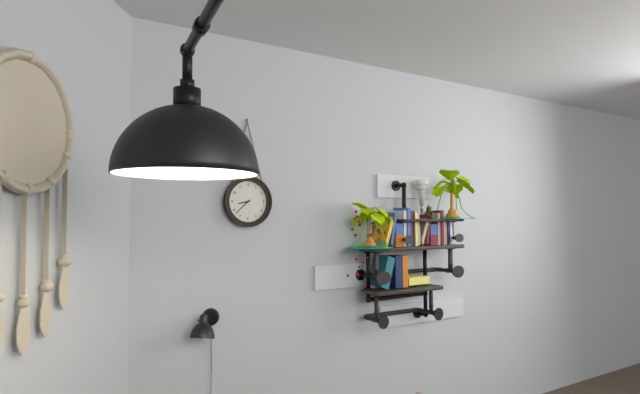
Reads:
h=8 m=38
